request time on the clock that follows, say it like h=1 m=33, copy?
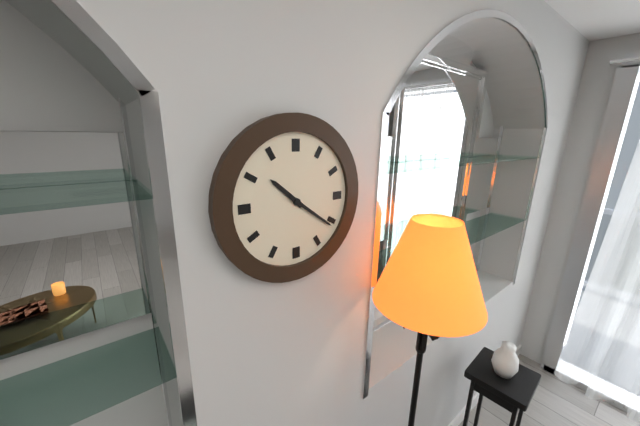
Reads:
h=10 m=21
